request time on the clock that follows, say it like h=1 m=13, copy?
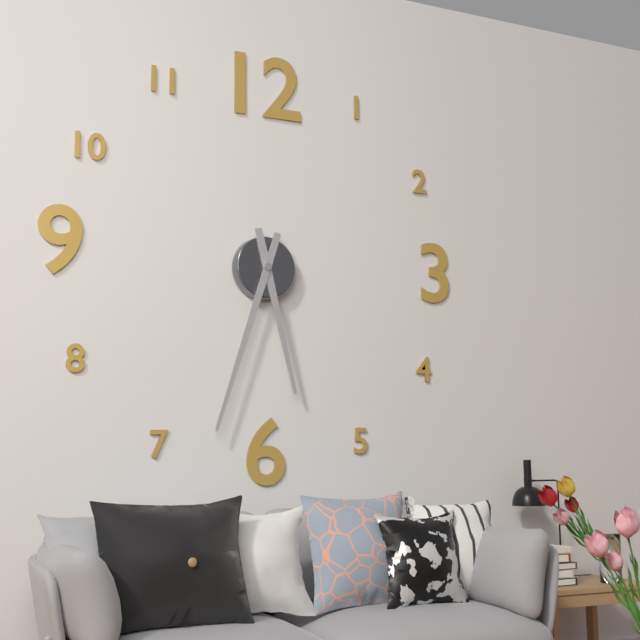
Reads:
h=5 m=33
